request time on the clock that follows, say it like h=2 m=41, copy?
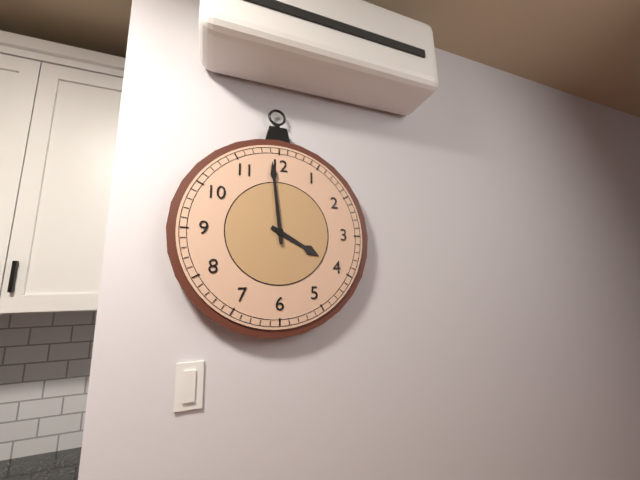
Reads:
h=3 m=59
